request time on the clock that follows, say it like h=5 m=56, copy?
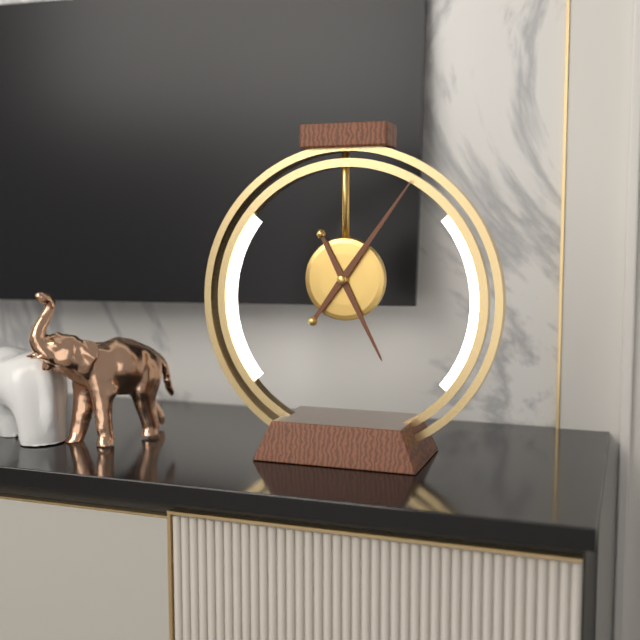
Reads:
h=5 m=6
